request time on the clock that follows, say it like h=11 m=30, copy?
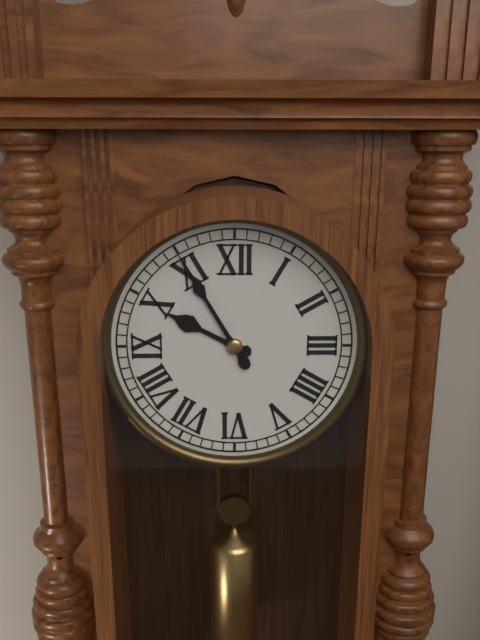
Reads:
h=9 m=55
